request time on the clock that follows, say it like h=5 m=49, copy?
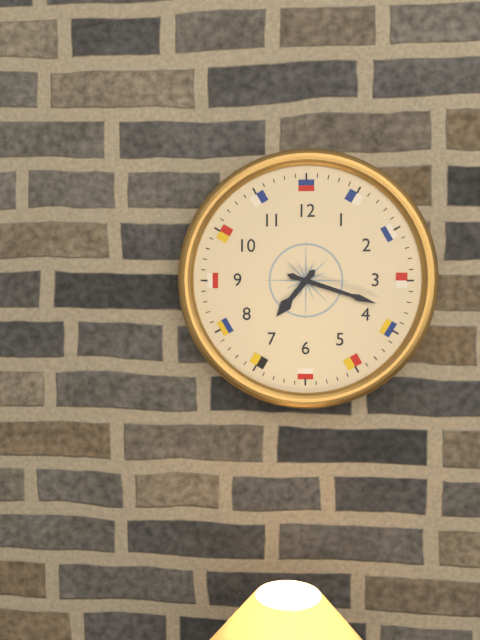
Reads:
h=7 m=18
